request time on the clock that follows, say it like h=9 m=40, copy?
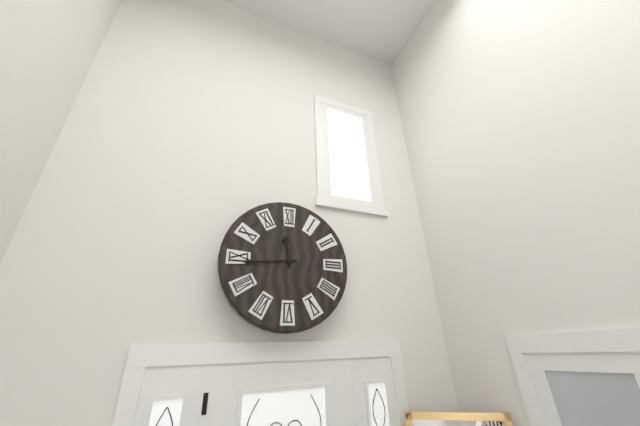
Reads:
h=11 m=44
